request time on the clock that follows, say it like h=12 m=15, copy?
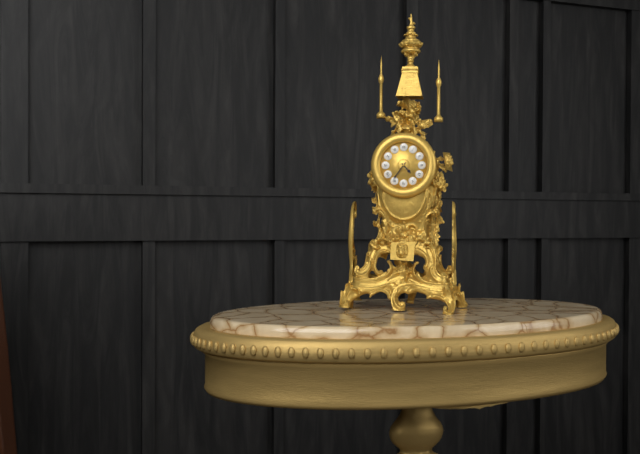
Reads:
h=4 m=36
